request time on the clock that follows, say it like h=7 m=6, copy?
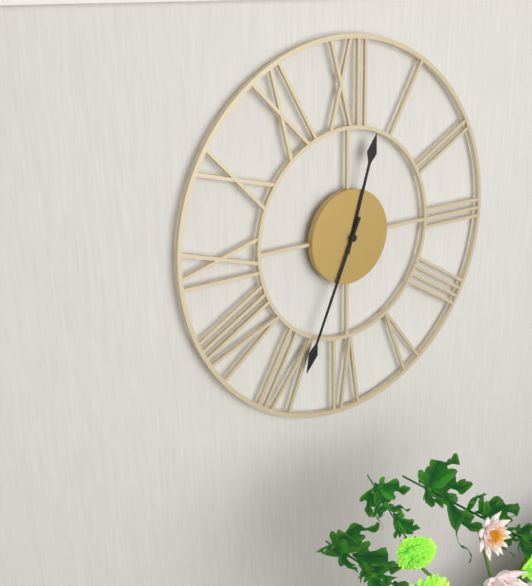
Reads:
h=12 m=34
